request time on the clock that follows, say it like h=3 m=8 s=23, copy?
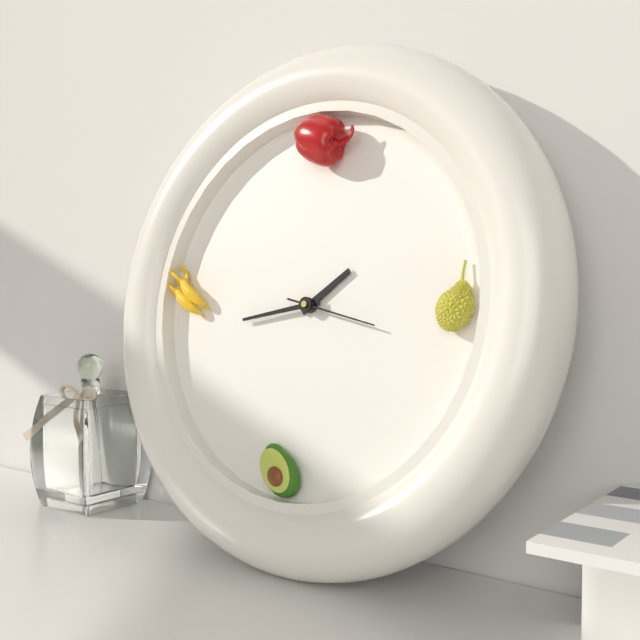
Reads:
h=1 m=43 s=17
